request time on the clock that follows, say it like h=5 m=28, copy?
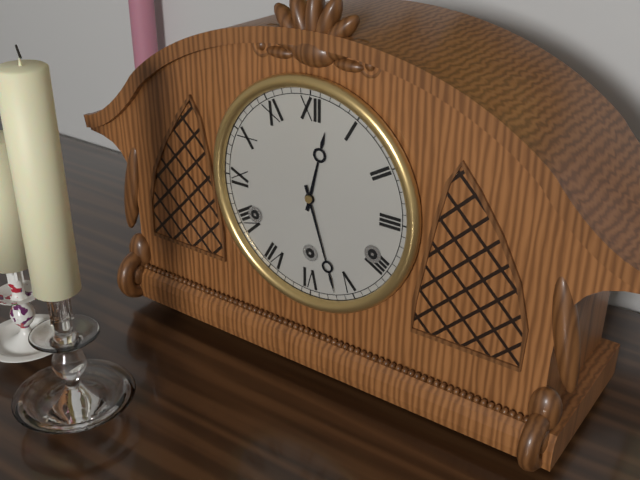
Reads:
h=12 m=27
